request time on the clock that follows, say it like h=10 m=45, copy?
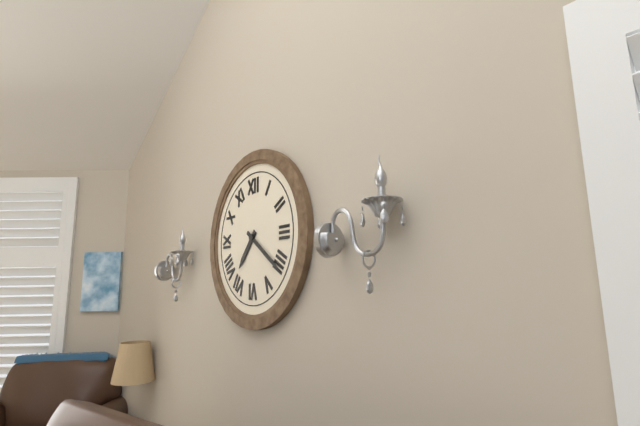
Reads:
h=7 m=21
